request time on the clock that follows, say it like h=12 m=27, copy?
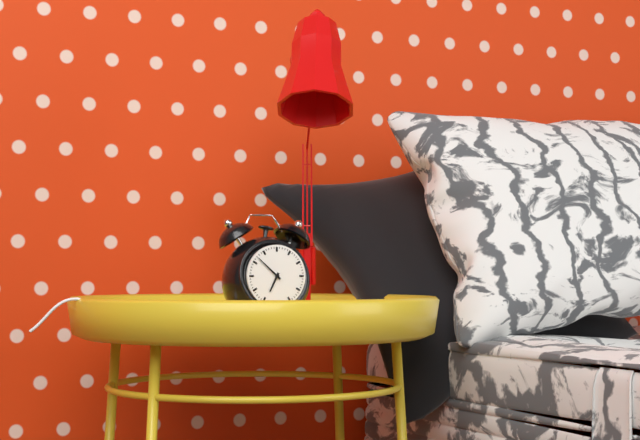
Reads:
h=6 m=52
